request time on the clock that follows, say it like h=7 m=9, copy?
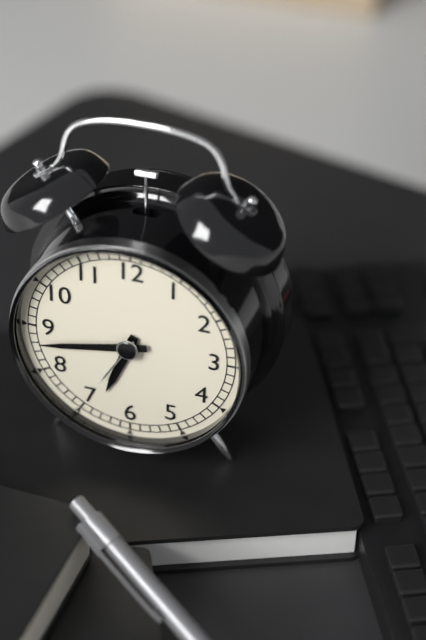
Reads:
h=6 m=43
